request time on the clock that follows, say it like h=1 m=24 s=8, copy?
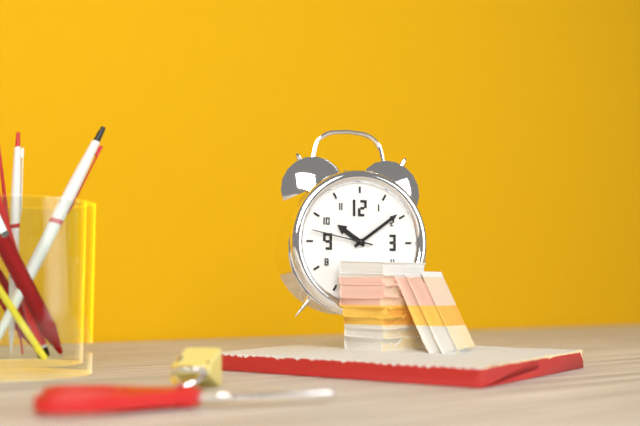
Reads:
h=10 m=9 s=47
